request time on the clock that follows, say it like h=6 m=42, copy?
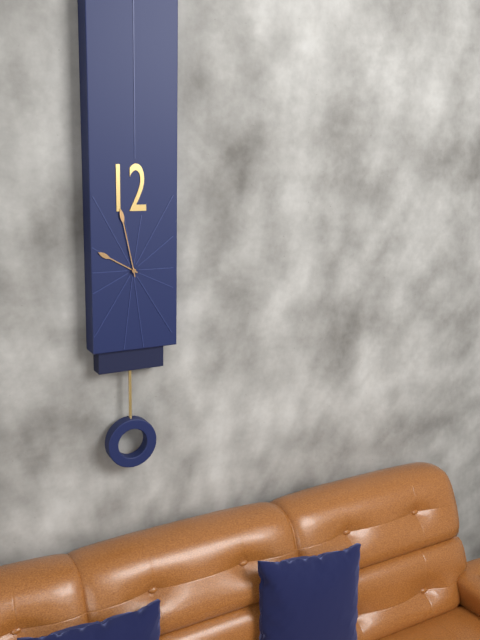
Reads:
h=9 m=58
